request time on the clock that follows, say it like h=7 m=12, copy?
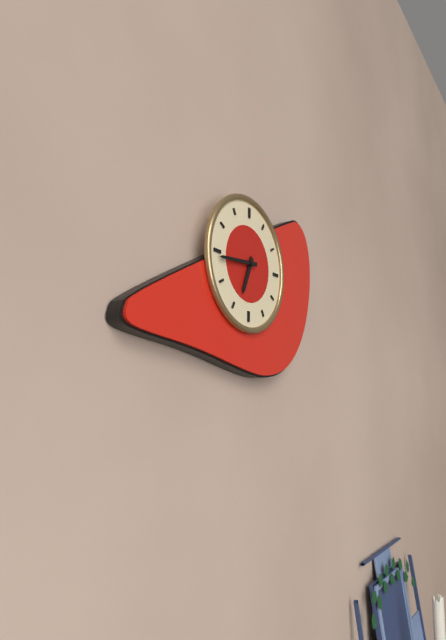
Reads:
h=6 m=44
